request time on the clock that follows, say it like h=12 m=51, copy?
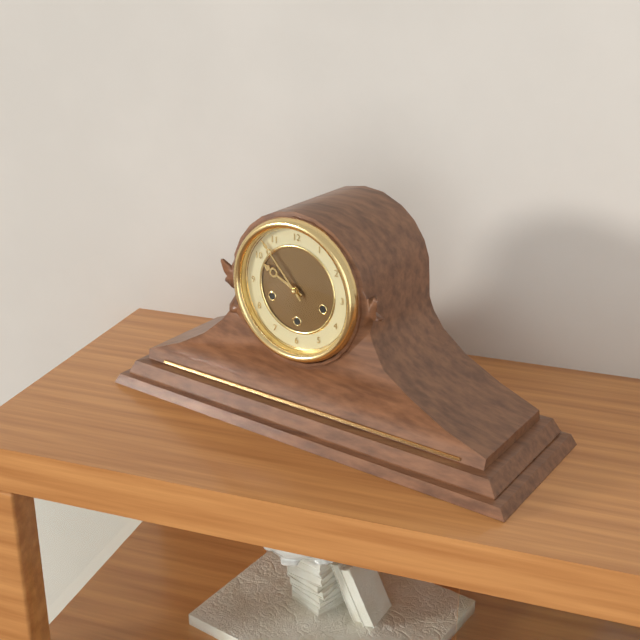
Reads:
h=9 m=53
